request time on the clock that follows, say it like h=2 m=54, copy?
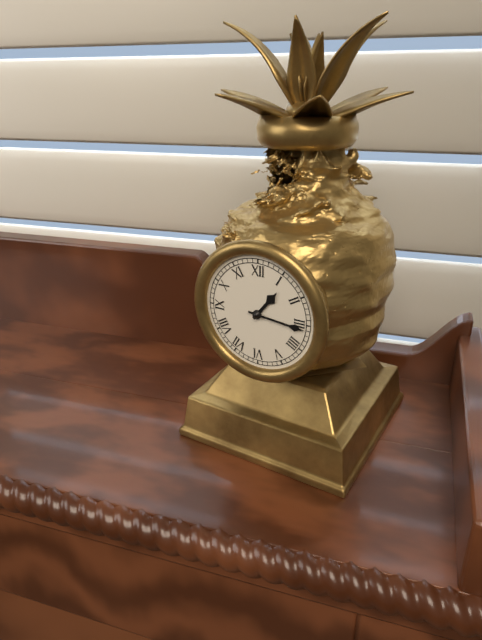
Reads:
h=1 m=16
